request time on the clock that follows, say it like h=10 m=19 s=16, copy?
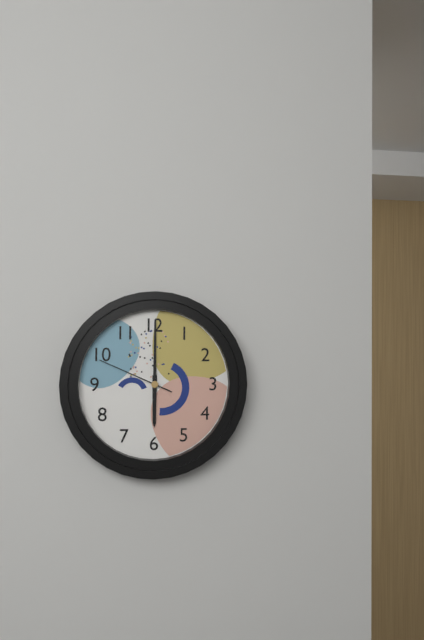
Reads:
h=6 m=0 s=49
